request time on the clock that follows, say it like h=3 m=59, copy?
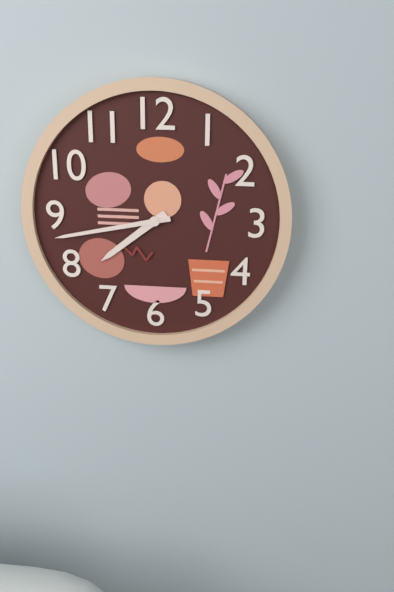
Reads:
h=7 m=43
